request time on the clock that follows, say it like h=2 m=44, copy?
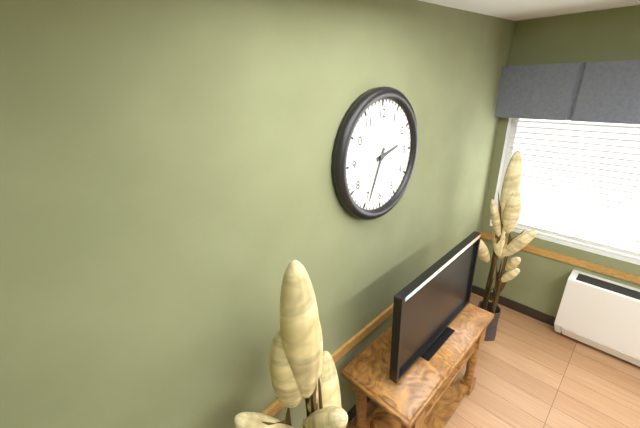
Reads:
h=2 m=34
